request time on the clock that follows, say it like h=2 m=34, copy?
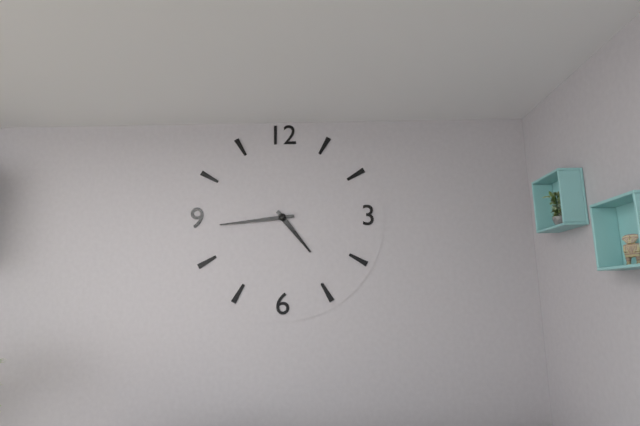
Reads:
h=4 m=44
